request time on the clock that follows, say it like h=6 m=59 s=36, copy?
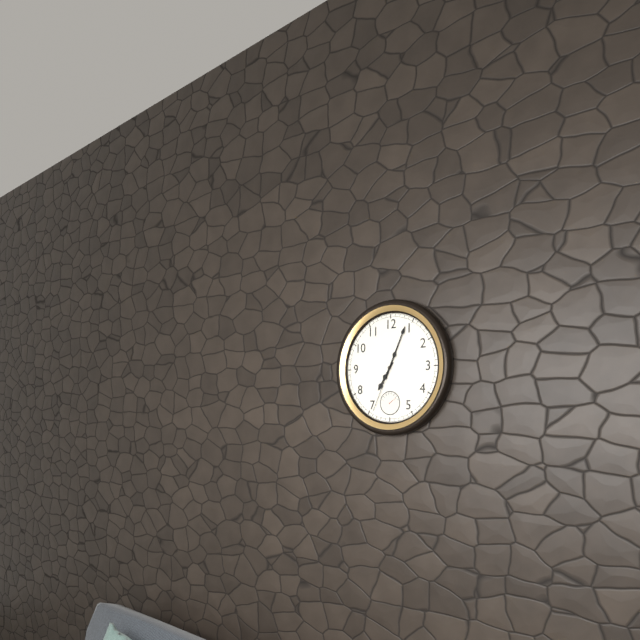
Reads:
h=7 m=4 s=34
